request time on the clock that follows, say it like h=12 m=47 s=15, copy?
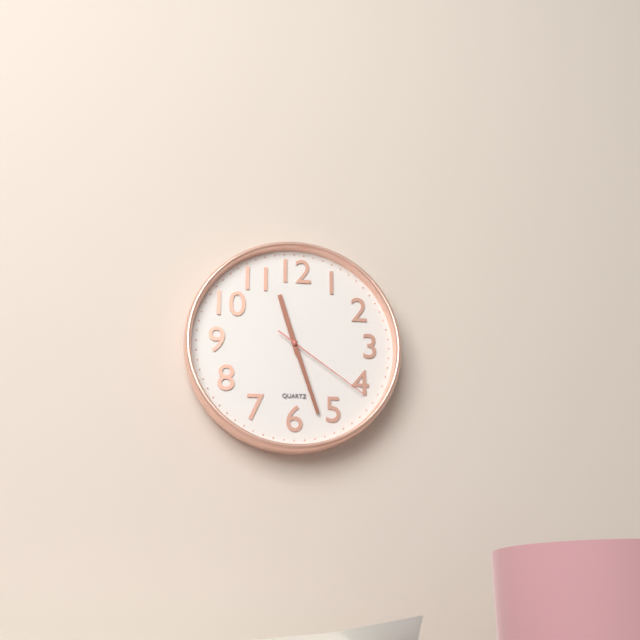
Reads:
h=11 m=27 s=21
